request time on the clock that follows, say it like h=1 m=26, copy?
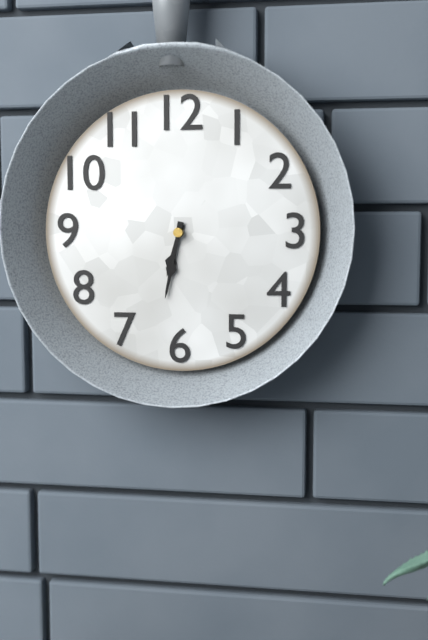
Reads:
h=6 m=32
